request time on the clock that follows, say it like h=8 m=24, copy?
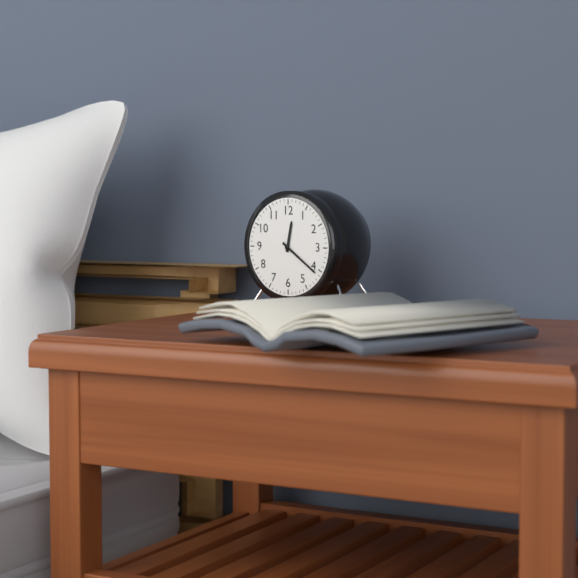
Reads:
h=12 m=21
